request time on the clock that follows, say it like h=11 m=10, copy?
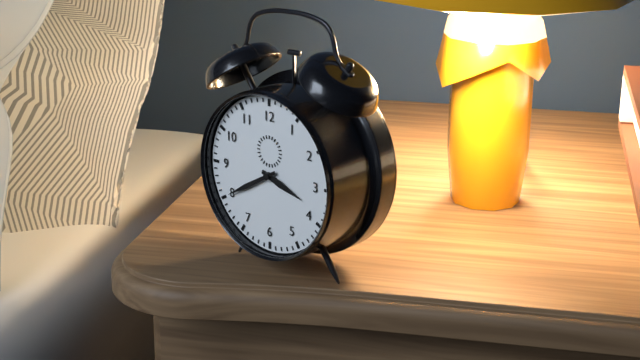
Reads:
h=3 m=40
